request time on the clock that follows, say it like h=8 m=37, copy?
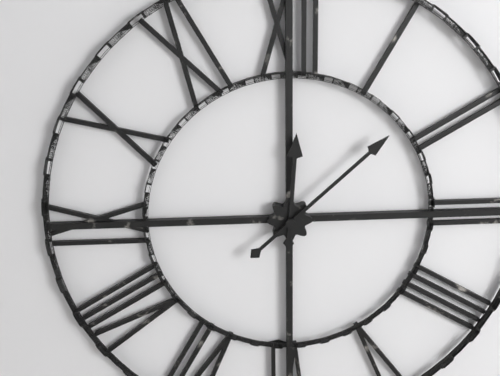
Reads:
h=12 m=8
